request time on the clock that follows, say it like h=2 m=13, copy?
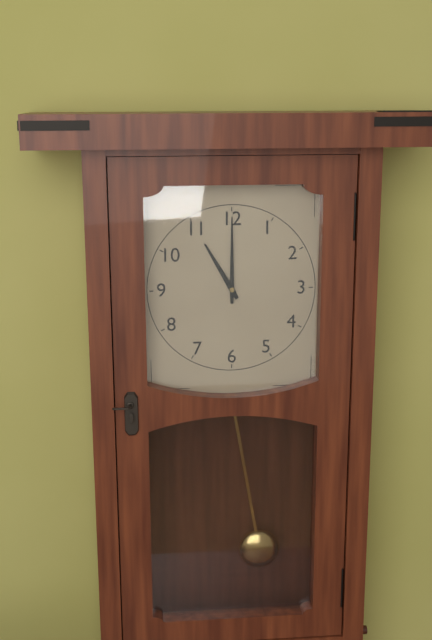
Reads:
h=11 m=0
